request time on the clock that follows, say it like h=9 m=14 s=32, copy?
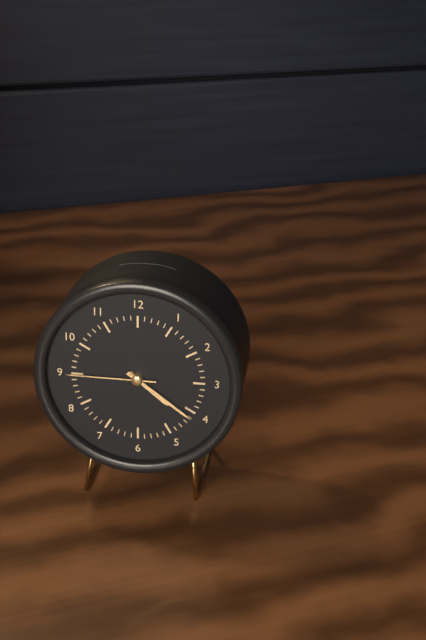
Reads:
h=4 m=21 s=45
